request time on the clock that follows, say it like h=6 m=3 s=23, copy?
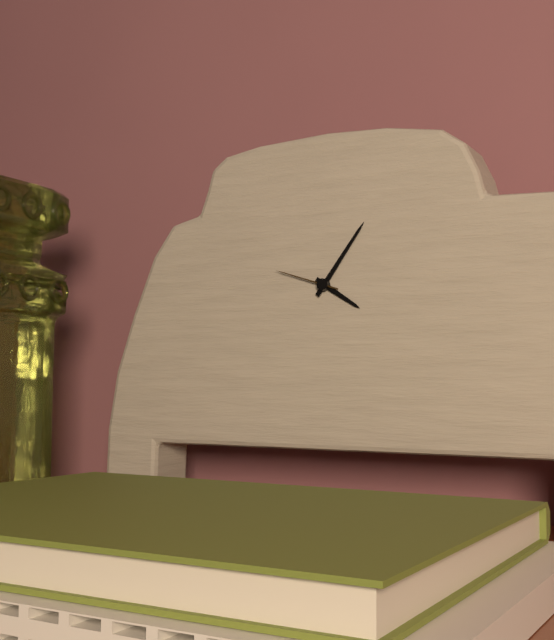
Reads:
h=4 m=6 s=48
